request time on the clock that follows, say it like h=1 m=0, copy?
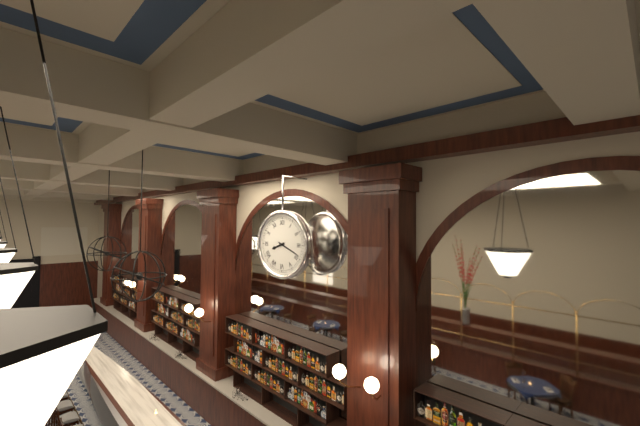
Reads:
h=8 m=19
